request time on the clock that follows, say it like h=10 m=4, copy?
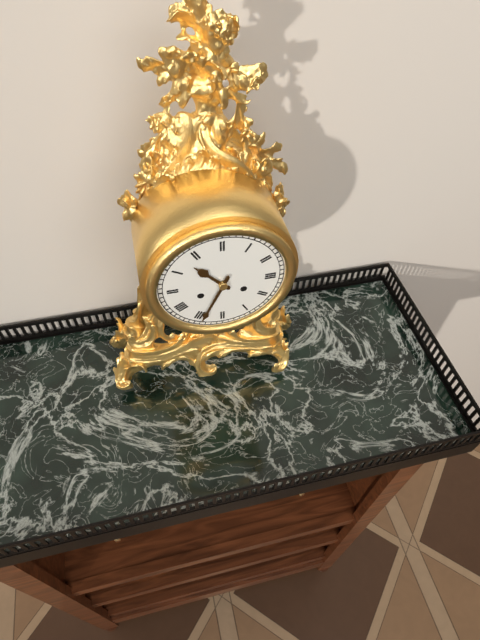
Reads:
h=10 m=34
